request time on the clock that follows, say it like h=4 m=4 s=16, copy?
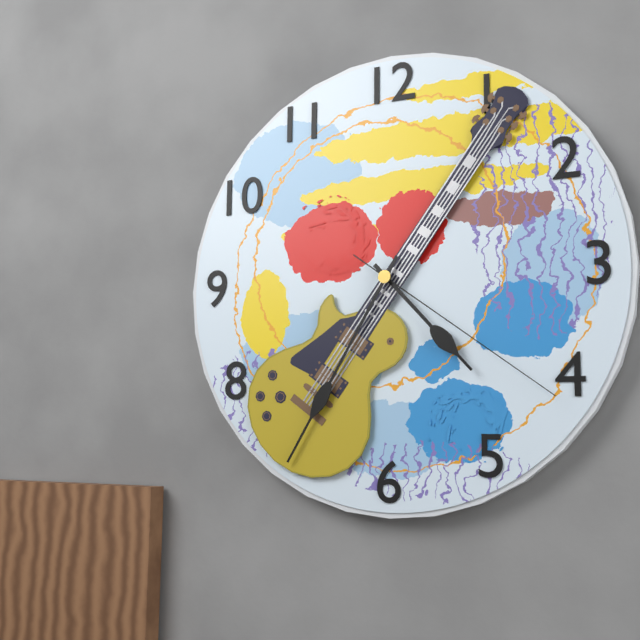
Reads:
h=4 m=35 s=21
